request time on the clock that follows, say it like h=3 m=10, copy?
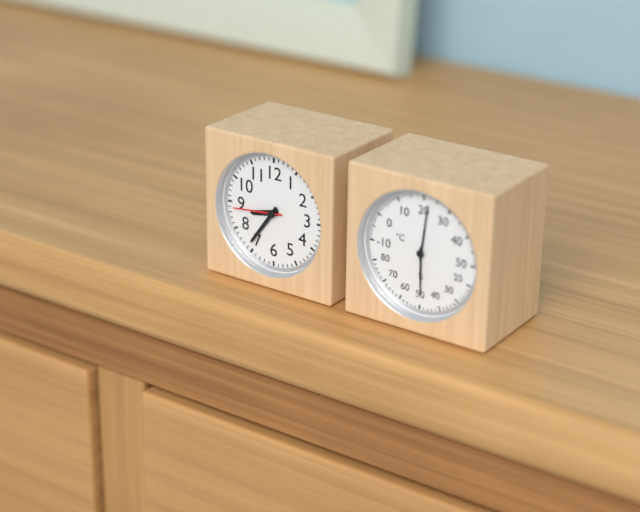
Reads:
h=8 m=36
